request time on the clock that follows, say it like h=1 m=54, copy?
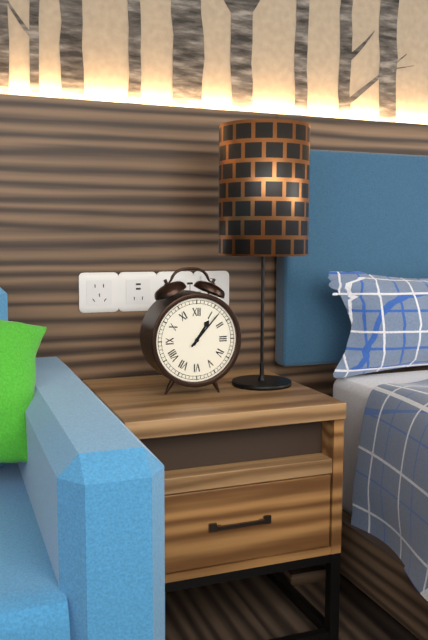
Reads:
h=1 m=7
